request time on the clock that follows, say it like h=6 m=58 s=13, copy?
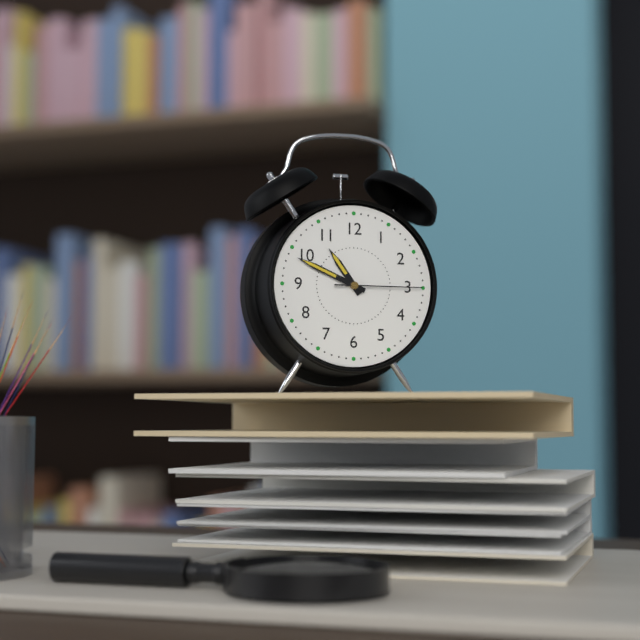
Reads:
h=10 m=49 s=15
